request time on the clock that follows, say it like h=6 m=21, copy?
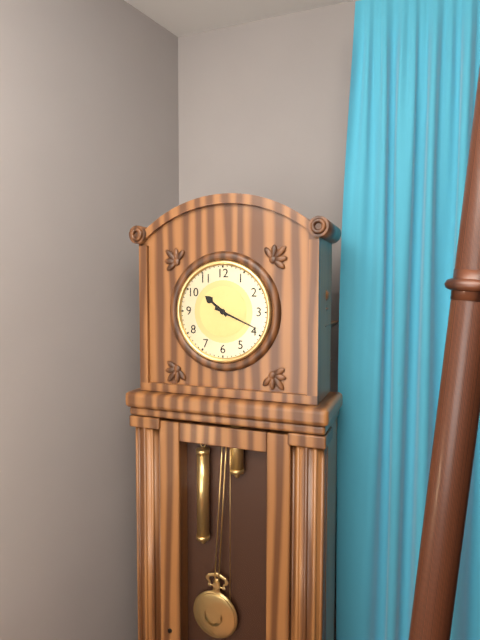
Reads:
h=10 m=19
